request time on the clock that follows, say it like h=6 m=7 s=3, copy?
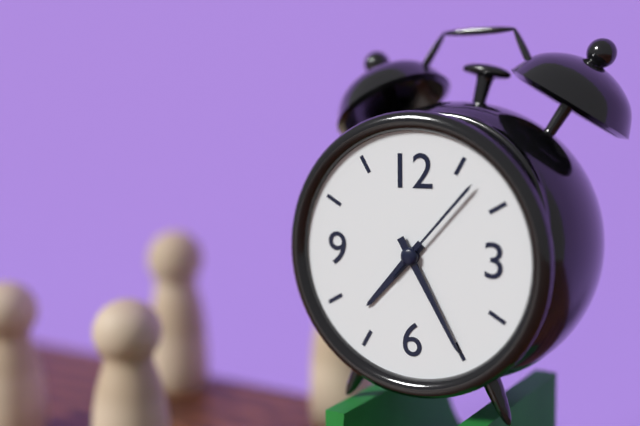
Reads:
h=7 m=25 s=7
